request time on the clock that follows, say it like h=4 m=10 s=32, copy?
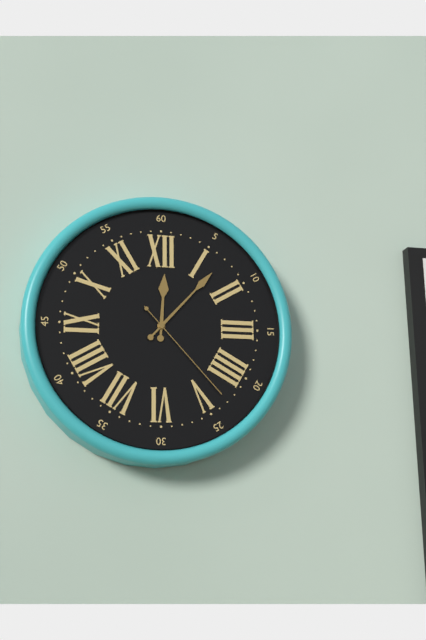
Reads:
h=12 m=7 s=23
